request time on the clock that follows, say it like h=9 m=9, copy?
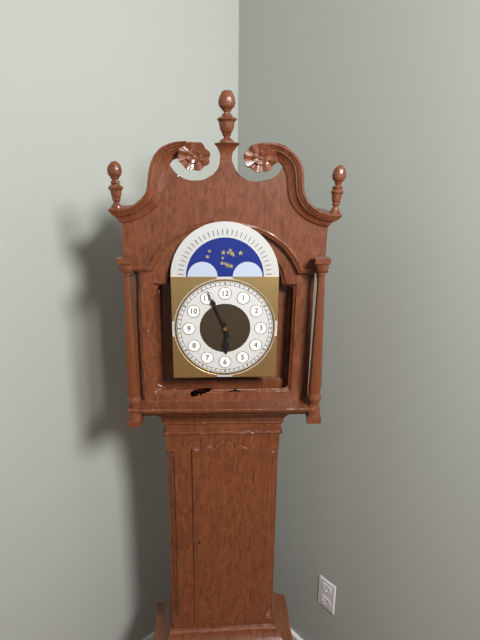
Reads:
h=5 m=56
